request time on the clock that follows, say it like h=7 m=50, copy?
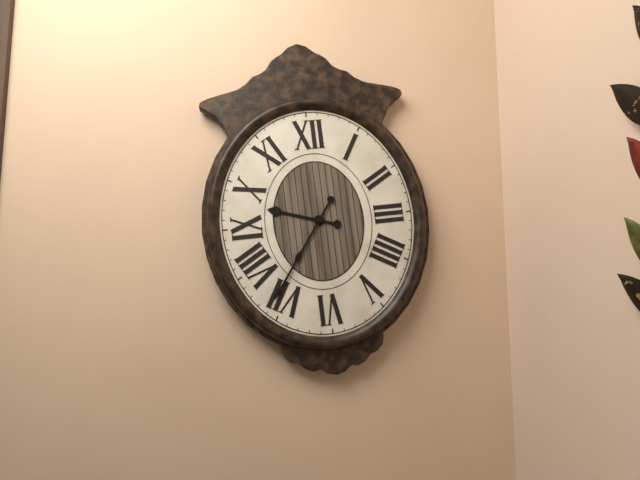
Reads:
h=9 m=36
